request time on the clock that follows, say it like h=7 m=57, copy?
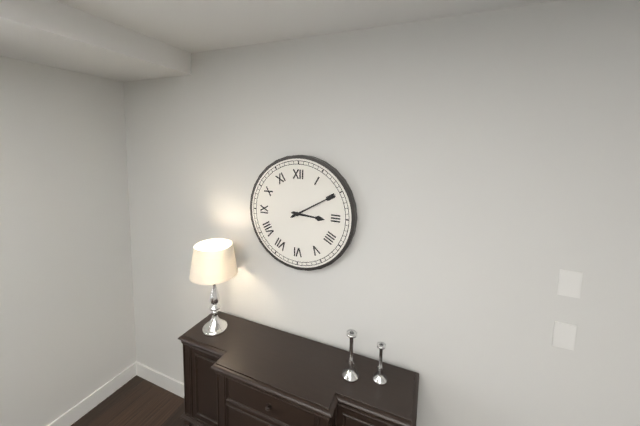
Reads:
h=3 m=10
